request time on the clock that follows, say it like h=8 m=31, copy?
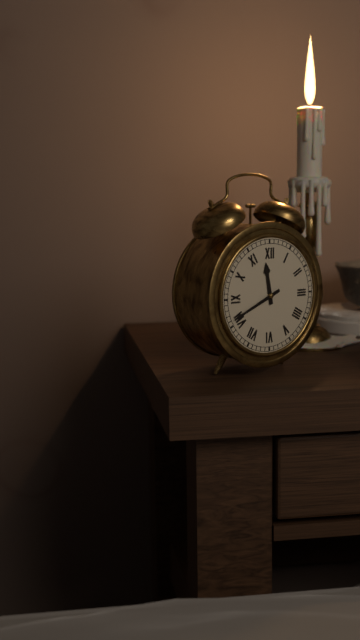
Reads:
h=11 m=41
